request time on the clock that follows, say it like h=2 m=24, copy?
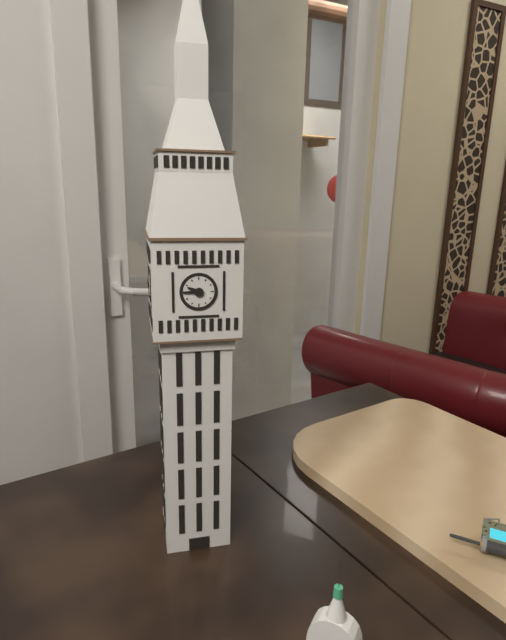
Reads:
h=9 m=45
